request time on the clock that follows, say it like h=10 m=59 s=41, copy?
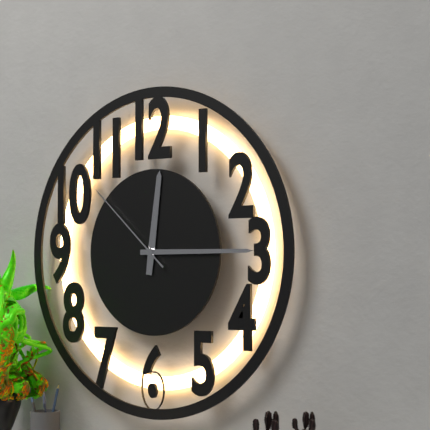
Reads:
h=12 m=15 s=52
